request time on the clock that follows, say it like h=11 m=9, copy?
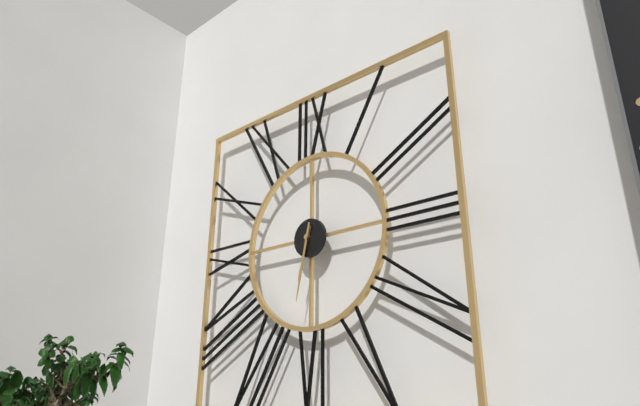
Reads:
h=6 m=32
